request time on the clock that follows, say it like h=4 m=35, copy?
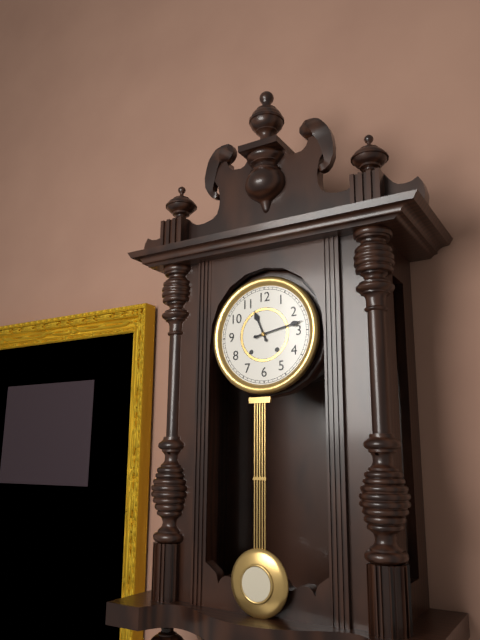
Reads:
h=11 m=13
